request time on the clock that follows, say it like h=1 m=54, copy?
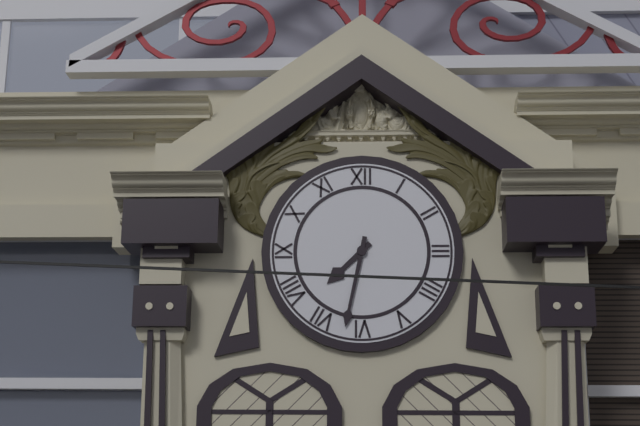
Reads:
h=7 m=32
